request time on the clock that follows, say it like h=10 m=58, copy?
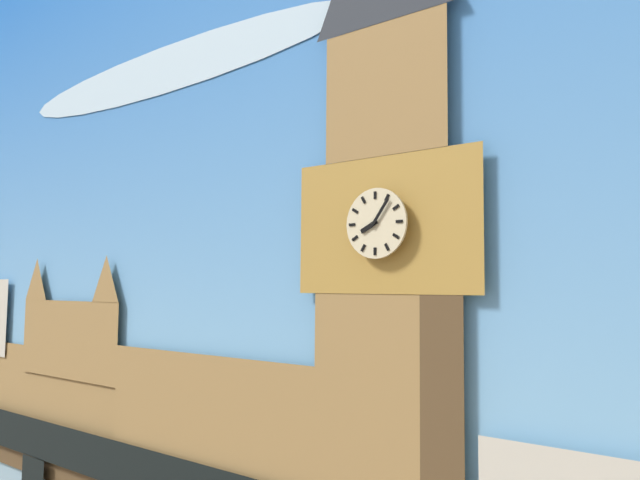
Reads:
h=8 m=6
